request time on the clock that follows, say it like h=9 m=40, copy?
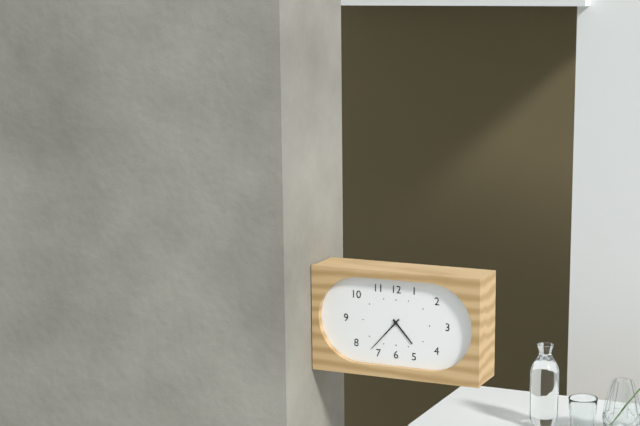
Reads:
h=4 m=37
